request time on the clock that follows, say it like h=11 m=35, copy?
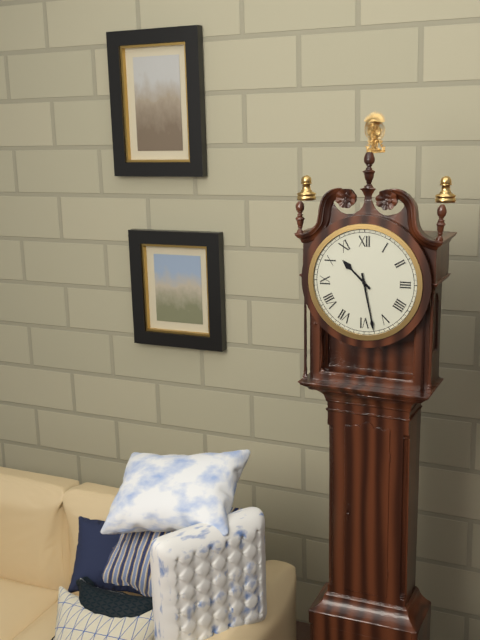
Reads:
h=10 m=28
